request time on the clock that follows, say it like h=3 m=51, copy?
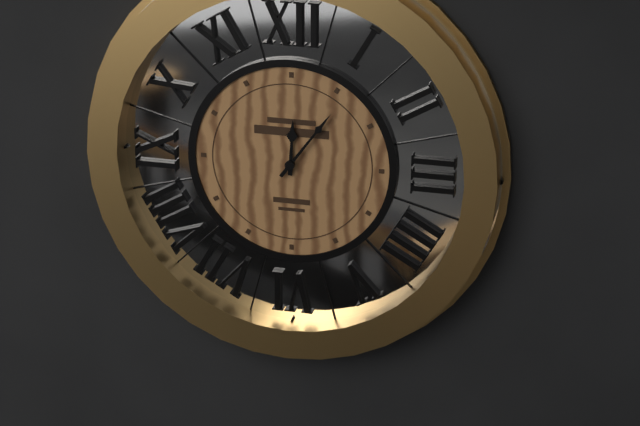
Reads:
h=12 m=6
